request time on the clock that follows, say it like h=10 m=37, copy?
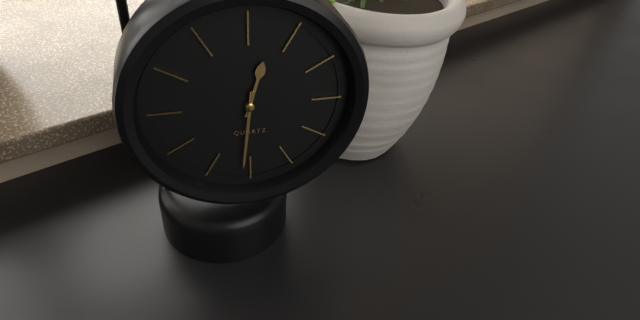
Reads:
h=12 m=31
